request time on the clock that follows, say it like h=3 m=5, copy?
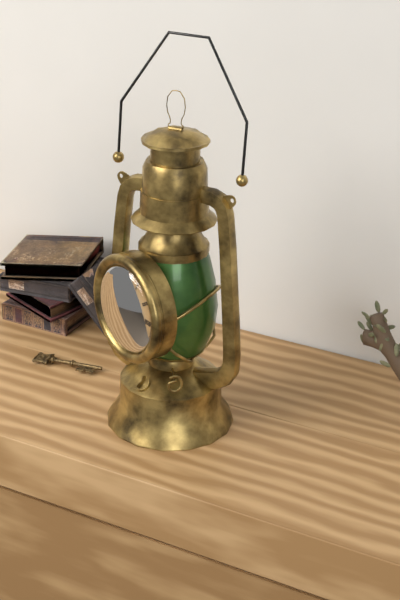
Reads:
h=6 m=2
